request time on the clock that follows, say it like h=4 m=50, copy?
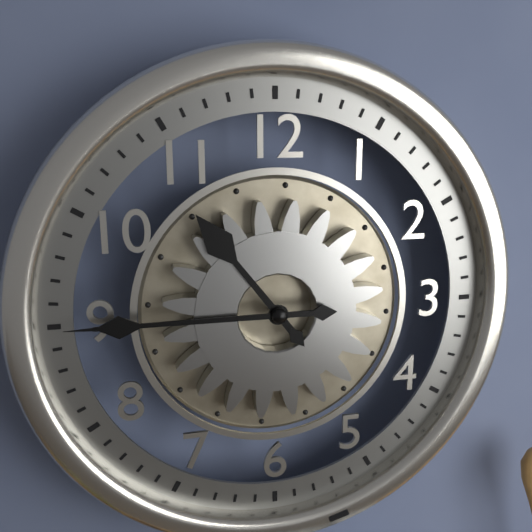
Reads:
h=10 m=45
